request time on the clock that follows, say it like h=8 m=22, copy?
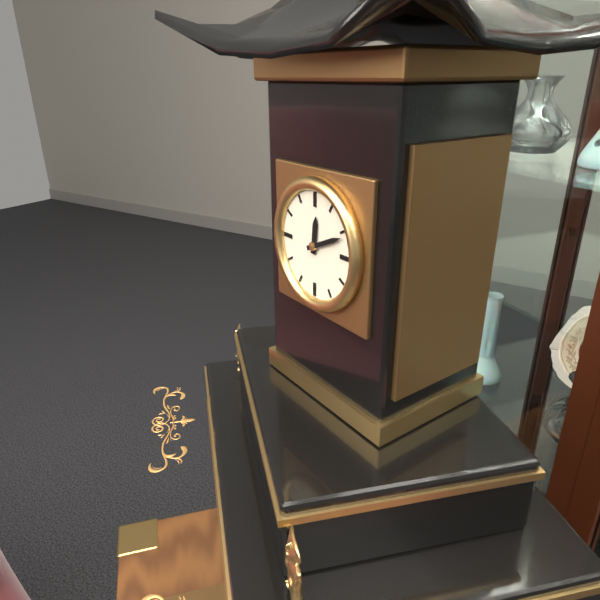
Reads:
h=12 m=11
